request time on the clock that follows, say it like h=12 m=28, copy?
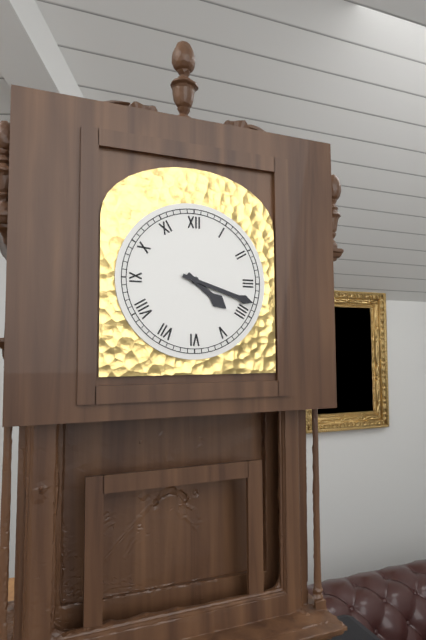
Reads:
h=4 m=18
